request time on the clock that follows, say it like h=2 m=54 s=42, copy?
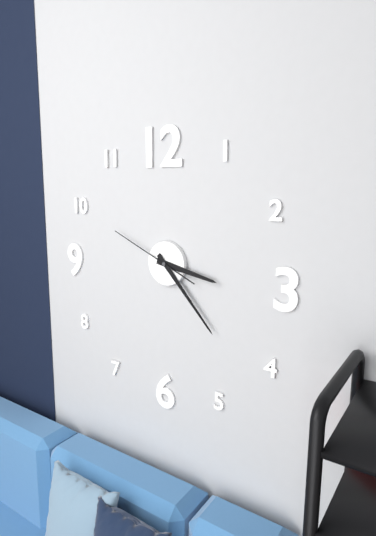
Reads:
h=3 m=23 s=49
